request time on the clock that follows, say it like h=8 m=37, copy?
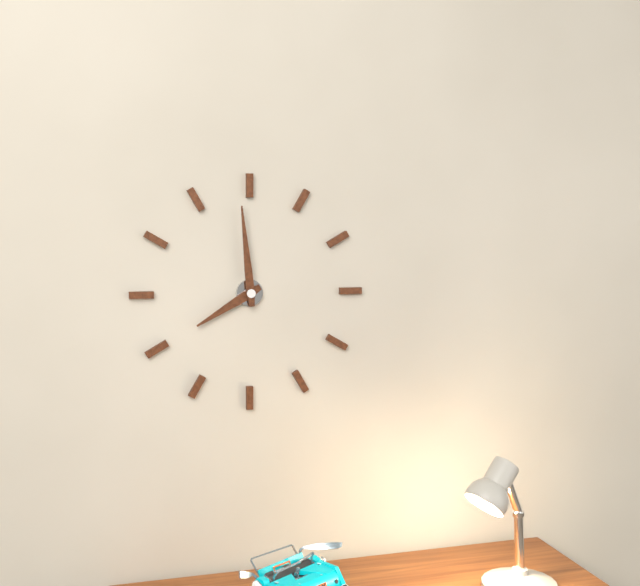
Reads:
h=7 m=59
